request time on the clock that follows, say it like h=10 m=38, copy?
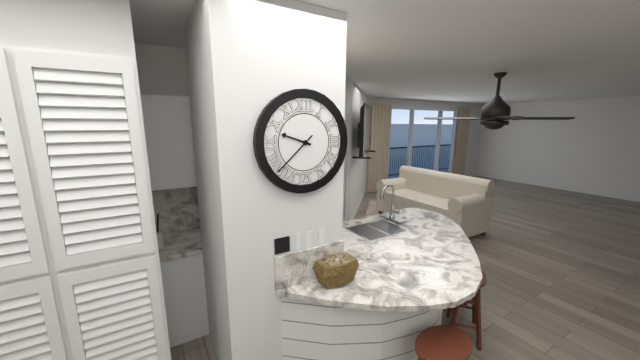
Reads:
h=9 m=38
